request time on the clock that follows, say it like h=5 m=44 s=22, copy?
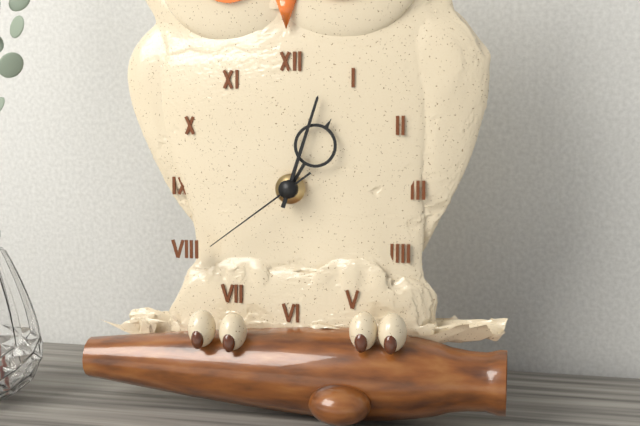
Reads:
h=1 m=3 s=39
